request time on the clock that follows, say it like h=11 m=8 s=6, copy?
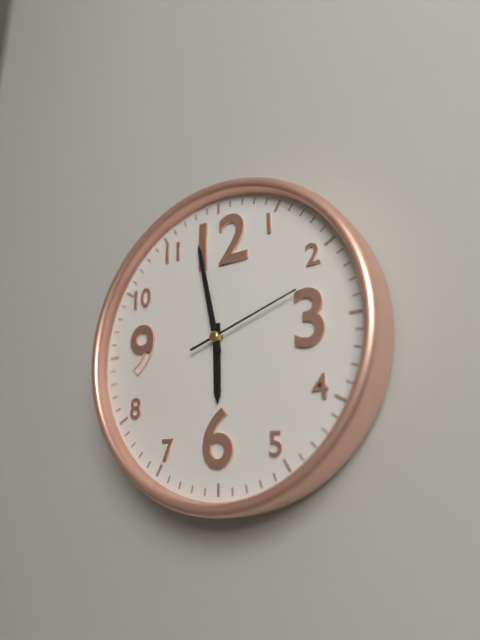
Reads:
h=5 m=58 s=12
